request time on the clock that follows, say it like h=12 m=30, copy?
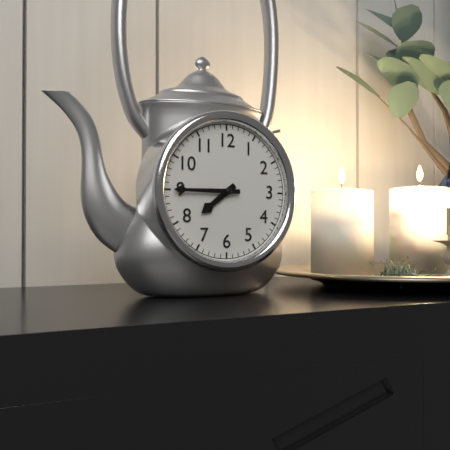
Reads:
h=7 m=45
